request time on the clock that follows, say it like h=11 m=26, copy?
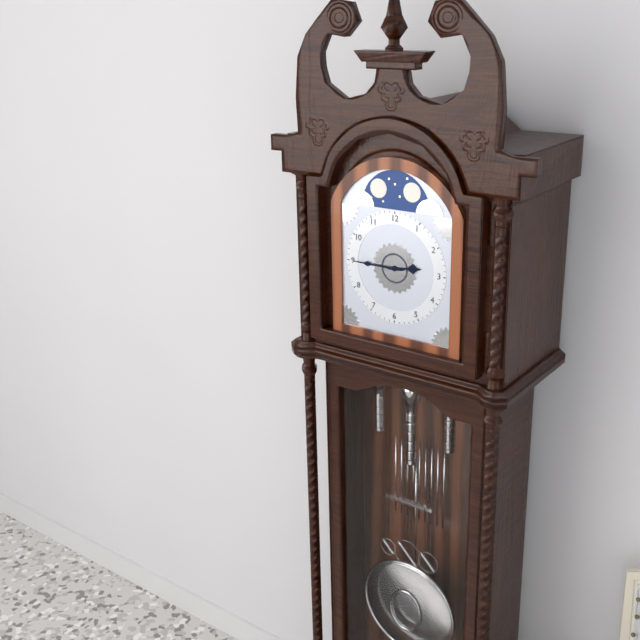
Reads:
h=2 m=45
